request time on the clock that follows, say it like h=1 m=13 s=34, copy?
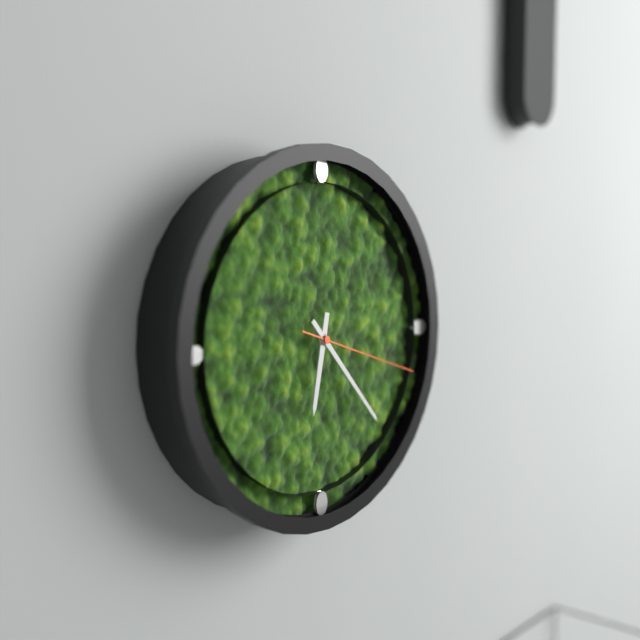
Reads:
h=6 m=23 s=18
